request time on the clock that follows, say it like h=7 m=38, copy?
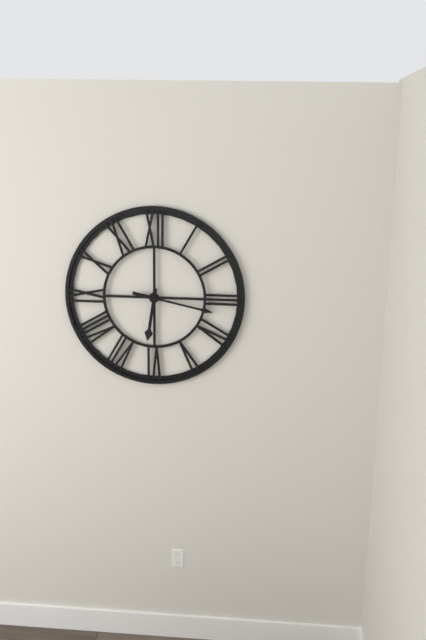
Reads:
h=6 m=17
